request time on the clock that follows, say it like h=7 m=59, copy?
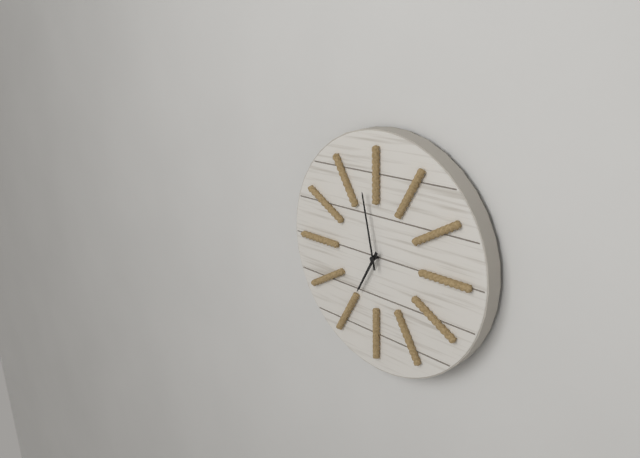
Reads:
h=6 m=58
